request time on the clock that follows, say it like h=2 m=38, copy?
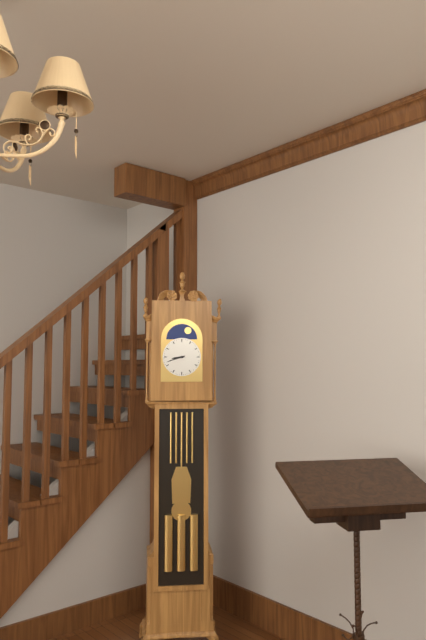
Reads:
h=8 m=42
